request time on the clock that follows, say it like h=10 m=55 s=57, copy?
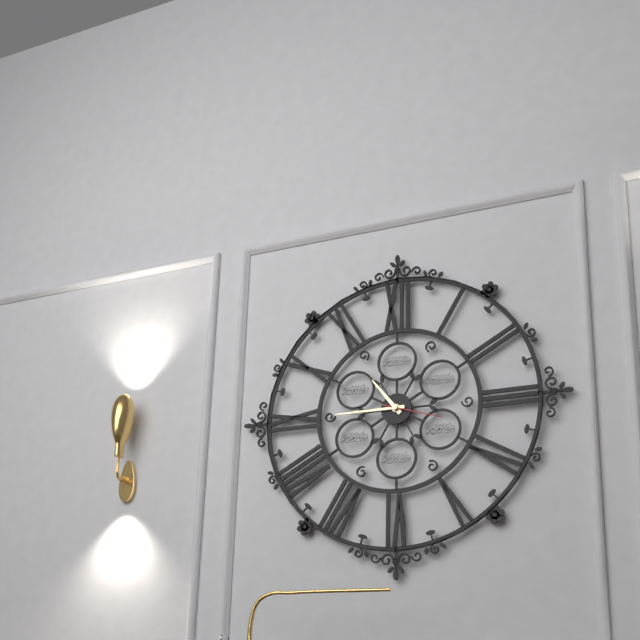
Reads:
h=10 m=45 s=18
